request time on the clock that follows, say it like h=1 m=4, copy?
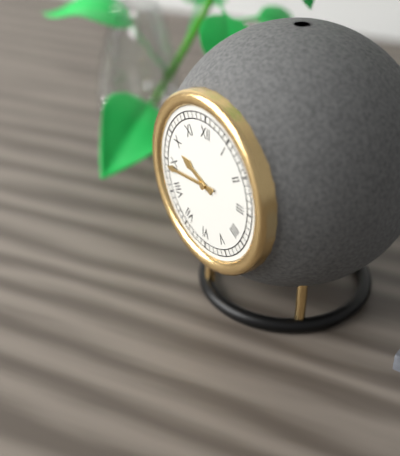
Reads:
h=9 m=44
